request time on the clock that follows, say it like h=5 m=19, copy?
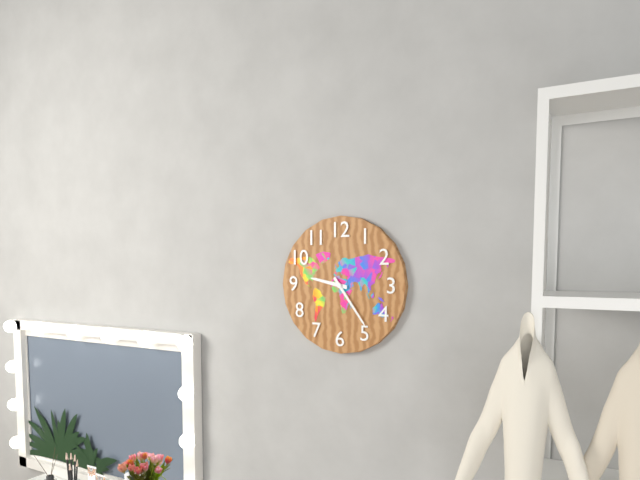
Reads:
h=9 m=24
